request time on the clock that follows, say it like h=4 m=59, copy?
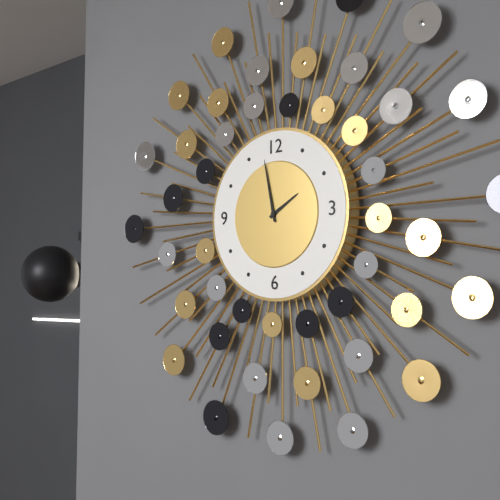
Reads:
h=1 m=58
